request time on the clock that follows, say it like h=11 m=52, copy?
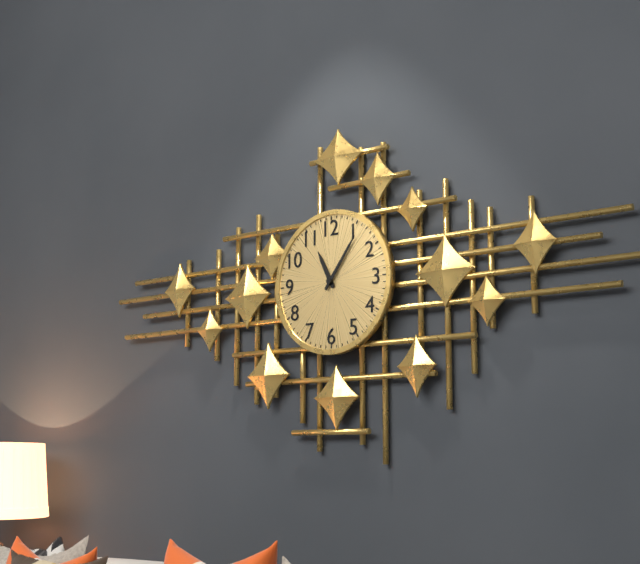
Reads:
h=11 m=6
